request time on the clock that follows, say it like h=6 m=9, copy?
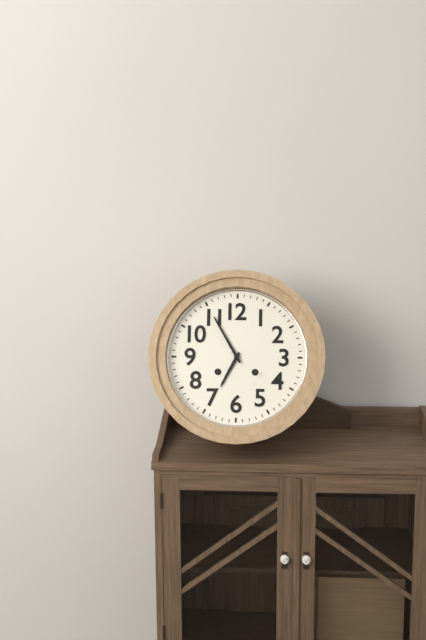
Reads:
h=6 m=55
